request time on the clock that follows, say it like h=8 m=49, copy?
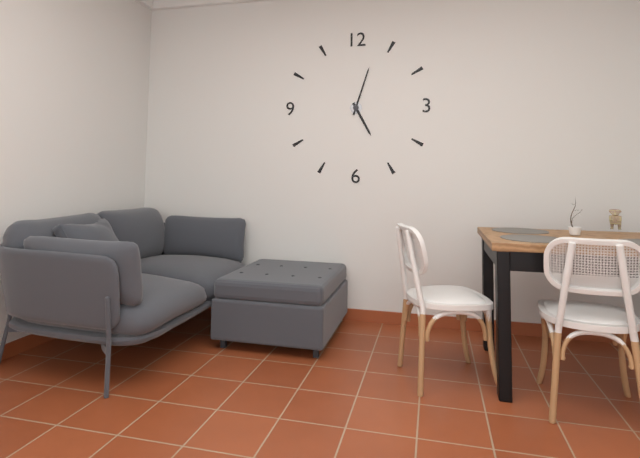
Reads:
h=5 m=3
